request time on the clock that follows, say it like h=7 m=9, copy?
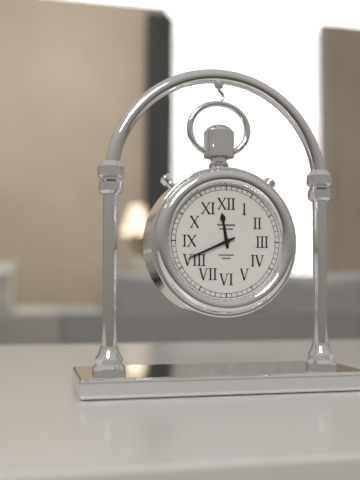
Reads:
h=11 m=41
